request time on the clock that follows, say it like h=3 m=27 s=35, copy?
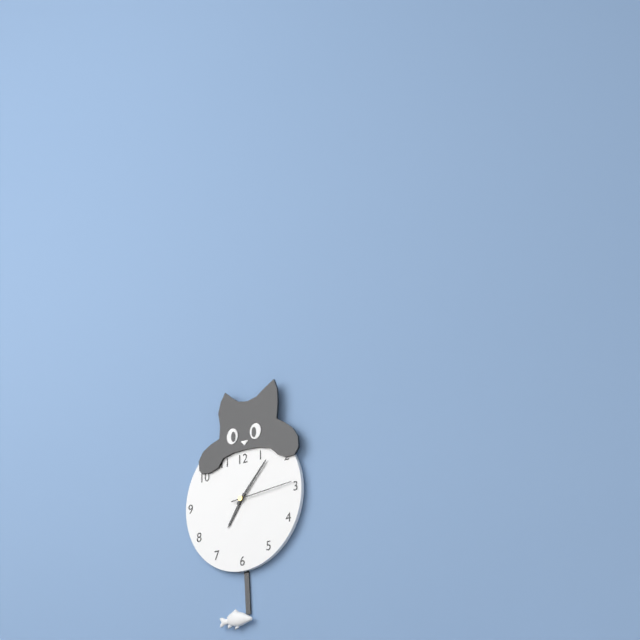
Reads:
h=7 m=7 s=14
